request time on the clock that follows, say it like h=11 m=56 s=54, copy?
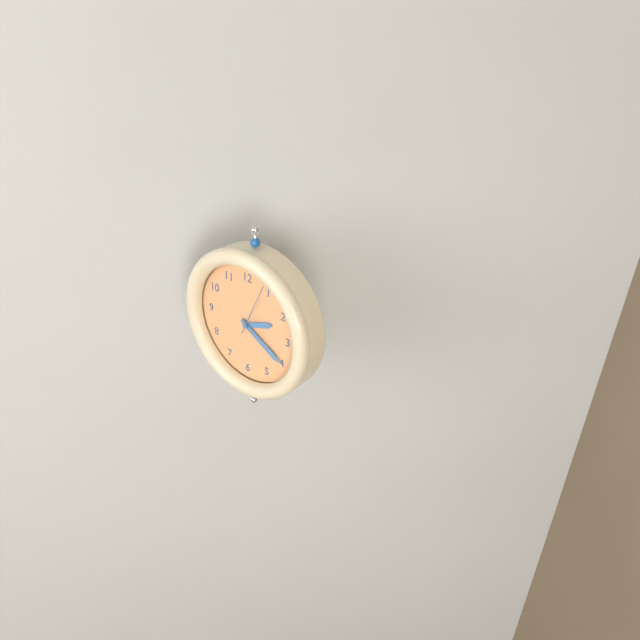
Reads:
h=2 m=20 s=4
